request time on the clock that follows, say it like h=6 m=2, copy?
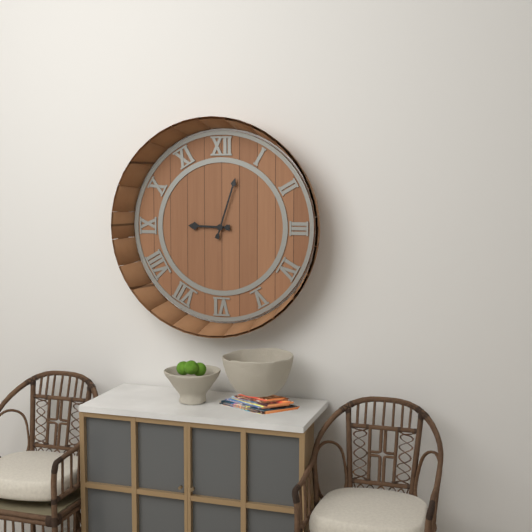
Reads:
h=9 m=3
